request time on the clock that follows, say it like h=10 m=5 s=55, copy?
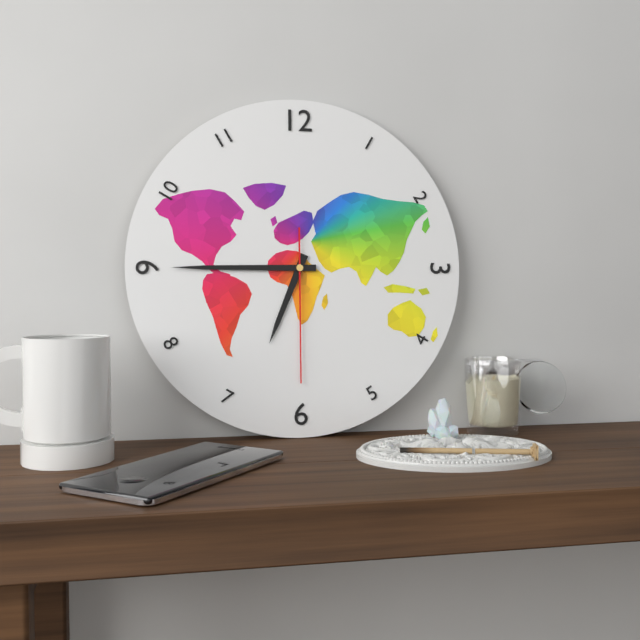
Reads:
h=6 m=45 s=30
